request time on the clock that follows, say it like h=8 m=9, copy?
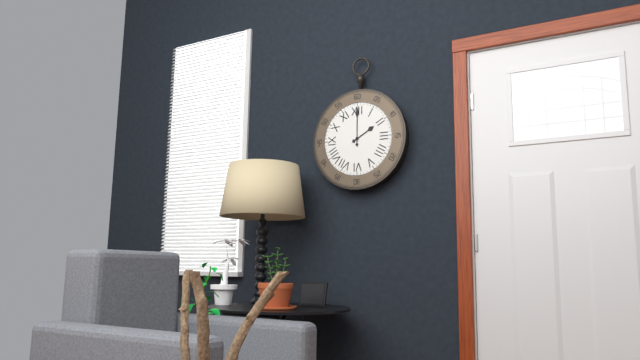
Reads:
h=2 m=0
